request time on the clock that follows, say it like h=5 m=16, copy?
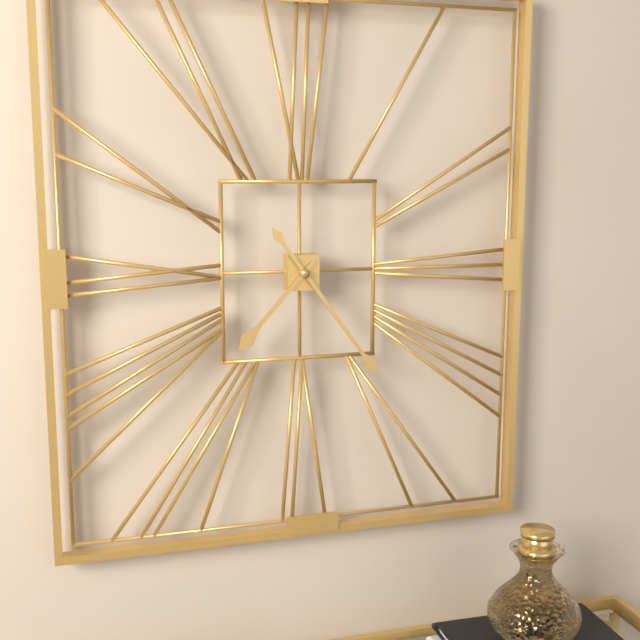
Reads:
h=7 m=24
